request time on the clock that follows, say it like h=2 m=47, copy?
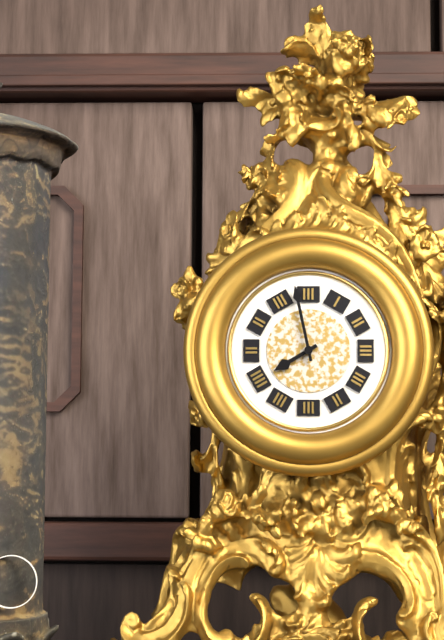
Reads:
h=7 m=58
